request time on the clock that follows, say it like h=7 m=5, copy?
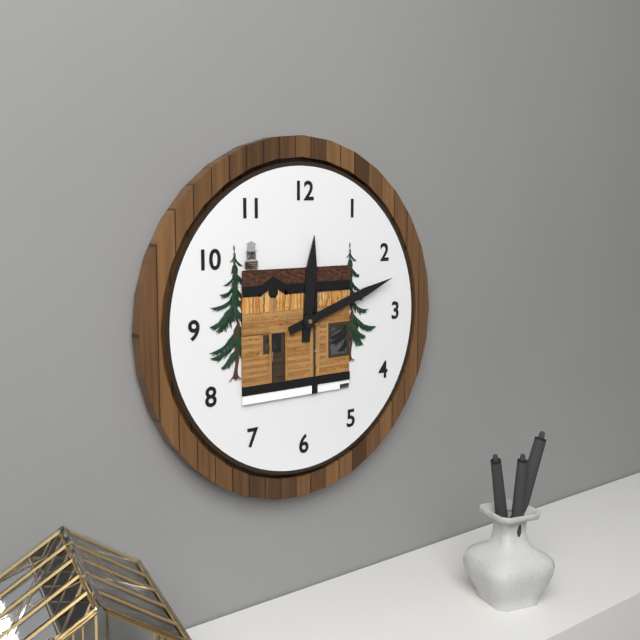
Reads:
h=12 m=12
